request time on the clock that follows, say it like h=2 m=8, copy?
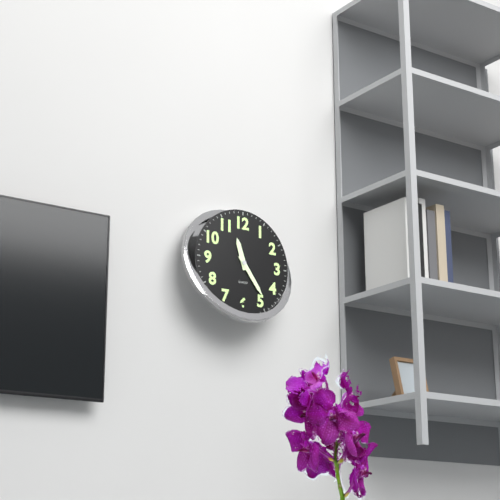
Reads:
h=11 m=24
